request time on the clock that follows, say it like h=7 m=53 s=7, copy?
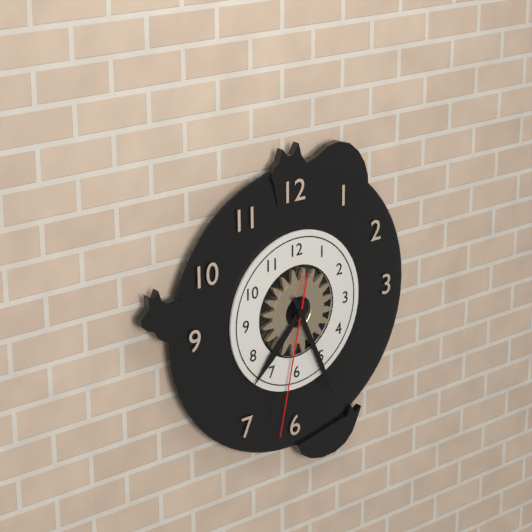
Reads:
h=7 m=26 s=32
